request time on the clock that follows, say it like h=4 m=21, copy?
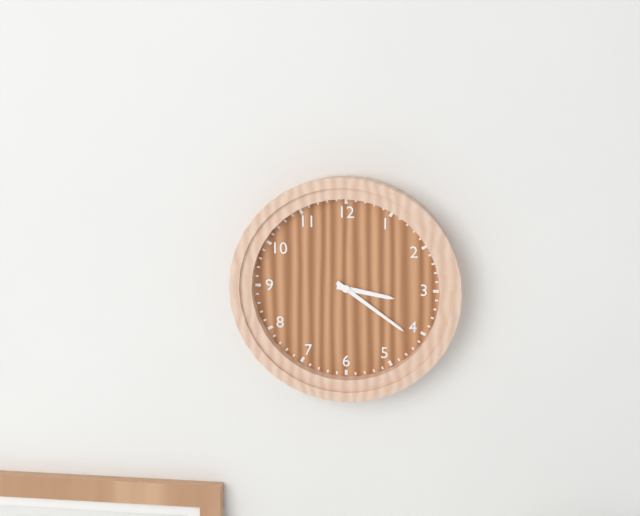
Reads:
h=3 m=21
